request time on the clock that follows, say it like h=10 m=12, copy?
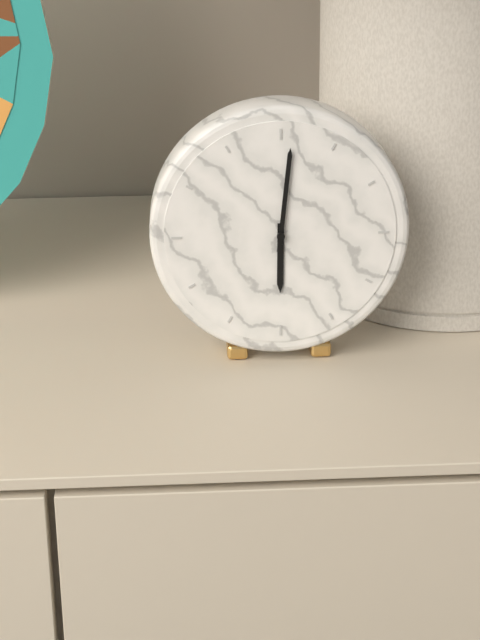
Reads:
h=6 m=1
